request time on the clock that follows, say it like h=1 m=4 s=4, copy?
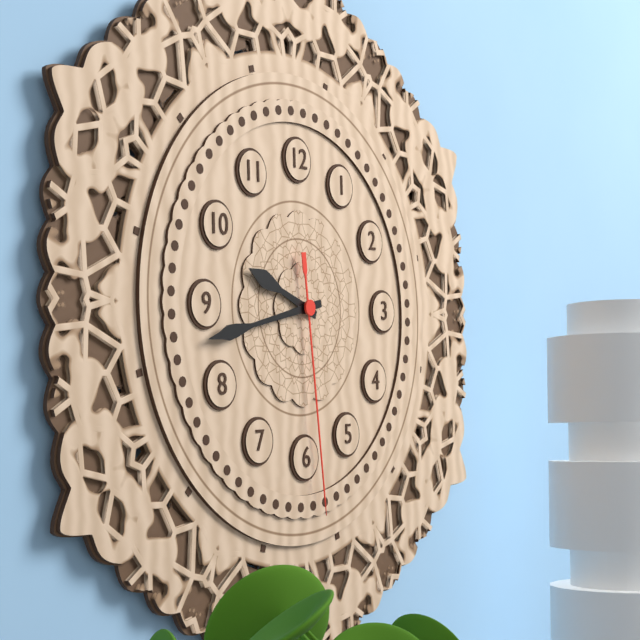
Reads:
h=9 m=43 s=29
